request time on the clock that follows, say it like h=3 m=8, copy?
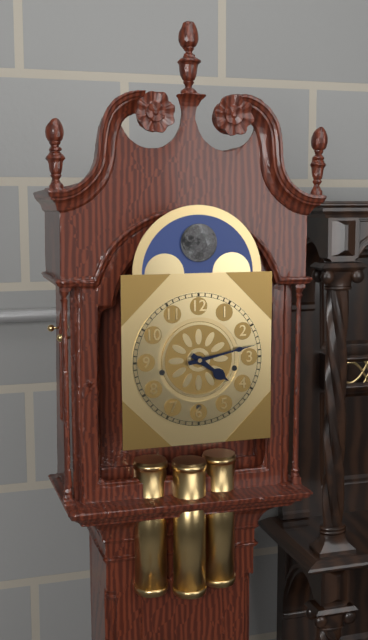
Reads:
h=4 m=13
